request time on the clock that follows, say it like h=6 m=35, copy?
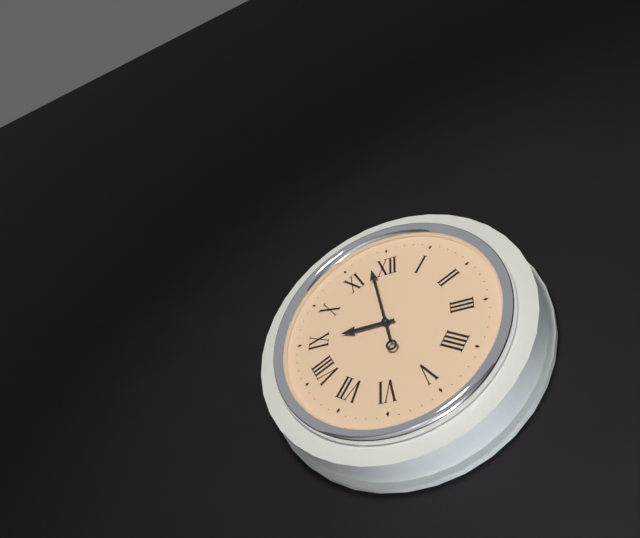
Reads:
h=8 m=58
